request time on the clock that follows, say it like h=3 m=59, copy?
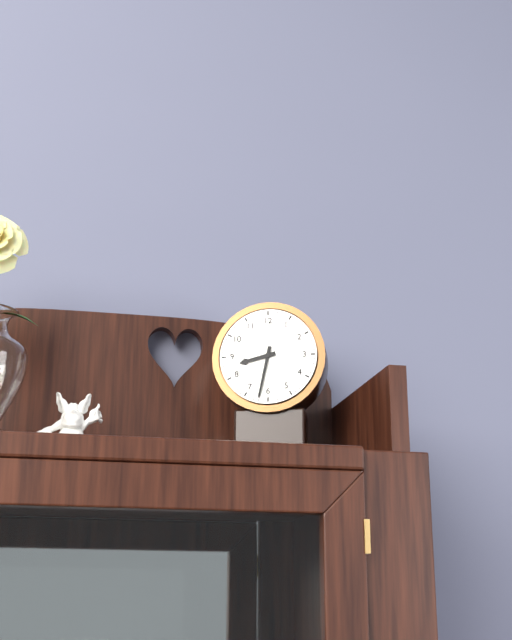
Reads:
h=8 m=32
